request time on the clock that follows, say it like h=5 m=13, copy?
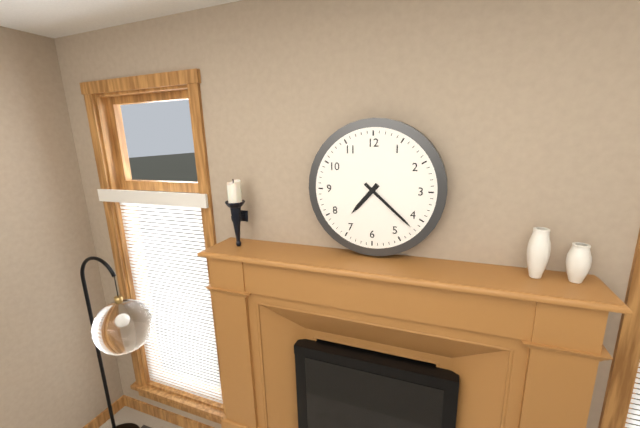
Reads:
h=7 m=22
